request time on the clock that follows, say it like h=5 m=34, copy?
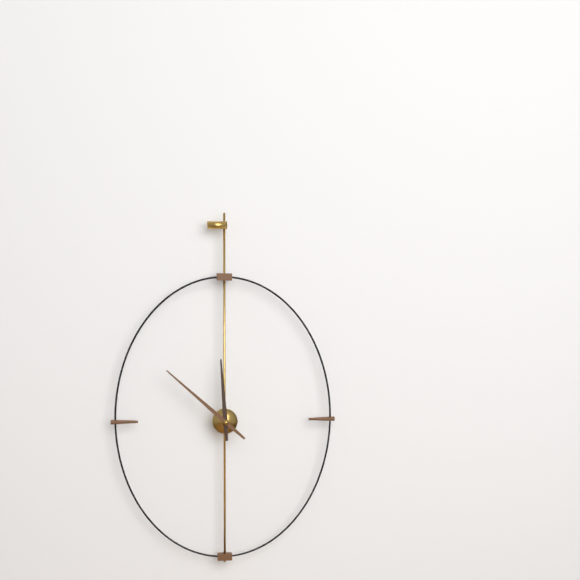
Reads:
h=11 m=52
